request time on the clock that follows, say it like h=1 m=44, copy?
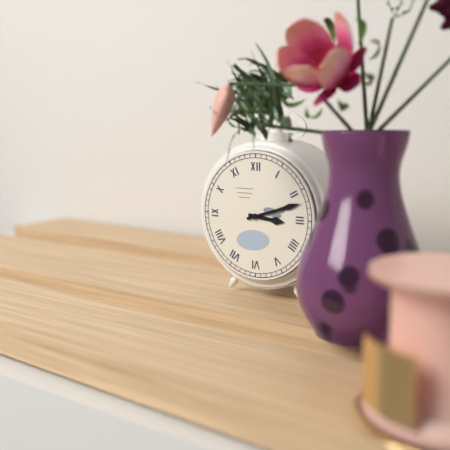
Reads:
h=3 m=12
